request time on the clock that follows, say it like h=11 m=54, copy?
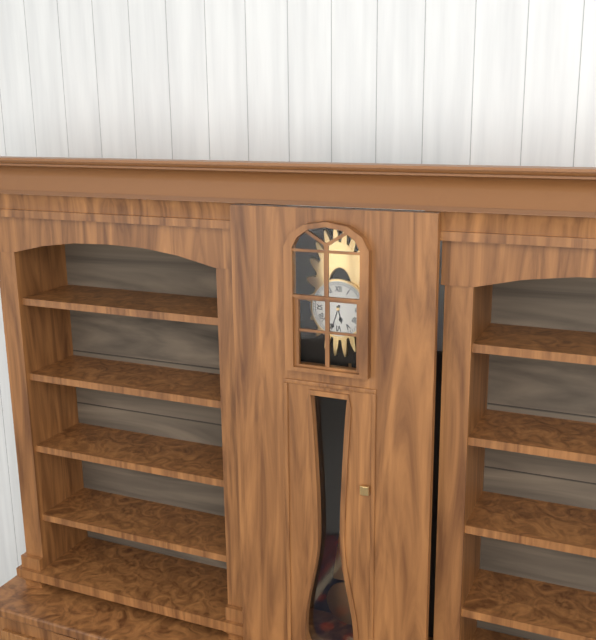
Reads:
h=5 m=33
